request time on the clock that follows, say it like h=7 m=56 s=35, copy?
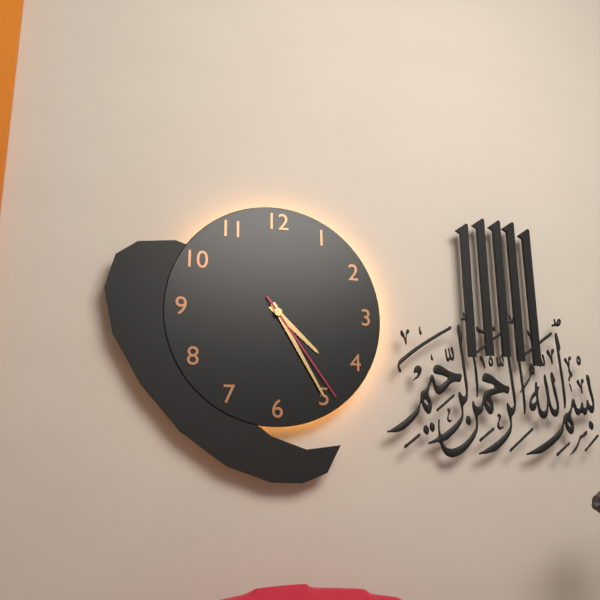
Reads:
h=4 m=25 s=24
